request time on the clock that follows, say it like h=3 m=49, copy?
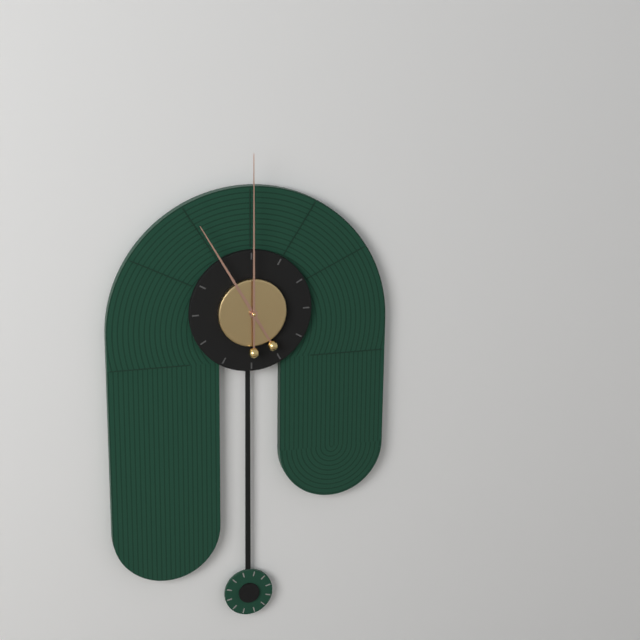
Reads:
h=11 m=0
